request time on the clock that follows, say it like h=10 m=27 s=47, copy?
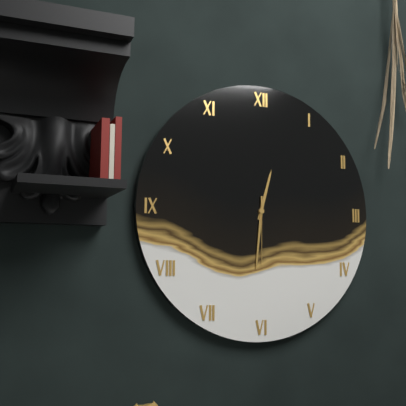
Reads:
h=12 m=31 s=30
